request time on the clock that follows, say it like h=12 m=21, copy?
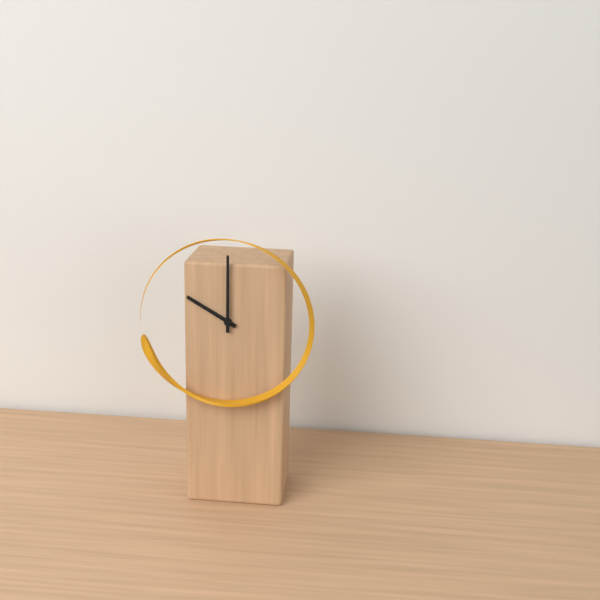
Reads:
h=10 m=0
